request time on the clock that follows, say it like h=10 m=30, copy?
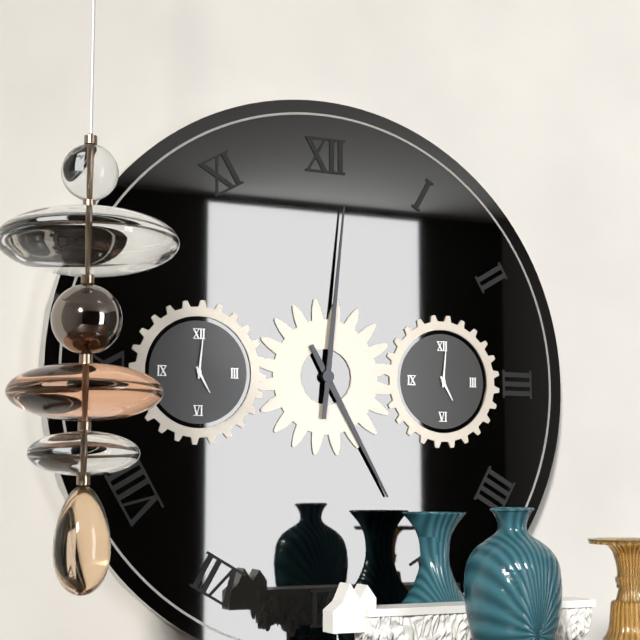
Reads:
h=5 m=1
